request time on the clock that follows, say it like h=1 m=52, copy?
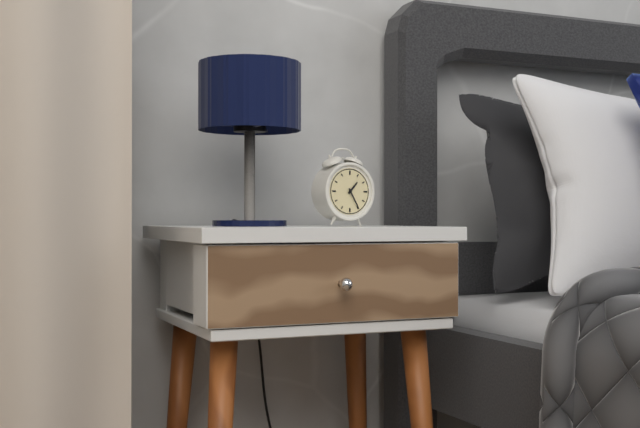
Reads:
h=1 m=25
